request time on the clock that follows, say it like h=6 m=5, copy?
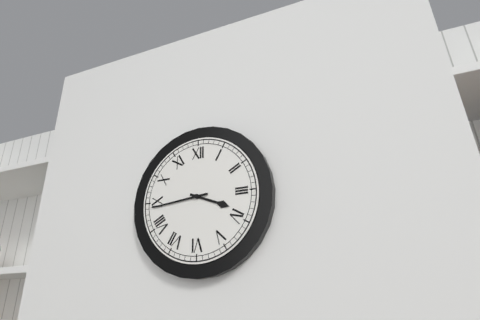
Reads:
h=3 m=44
